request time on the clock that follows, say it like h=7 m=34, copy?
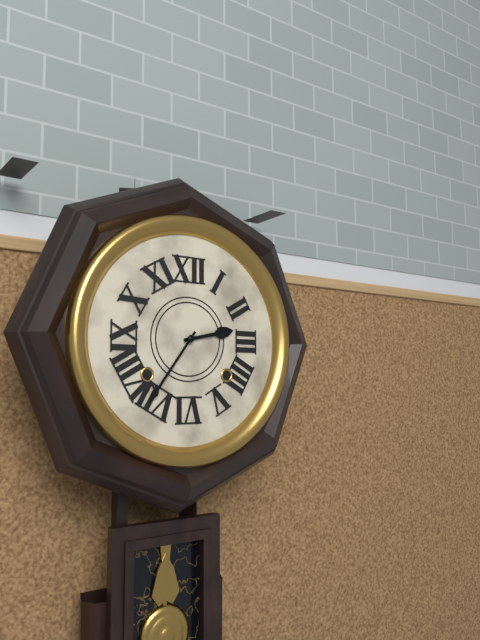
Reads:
h=2 m=36
